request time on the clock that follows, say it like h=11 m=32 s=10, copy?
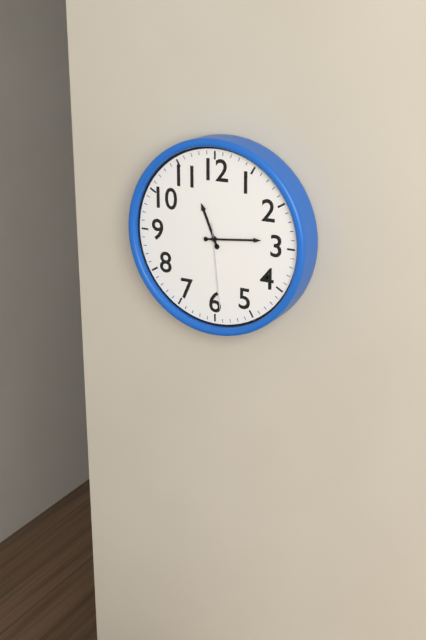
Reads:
h=11 m=14 s=29
